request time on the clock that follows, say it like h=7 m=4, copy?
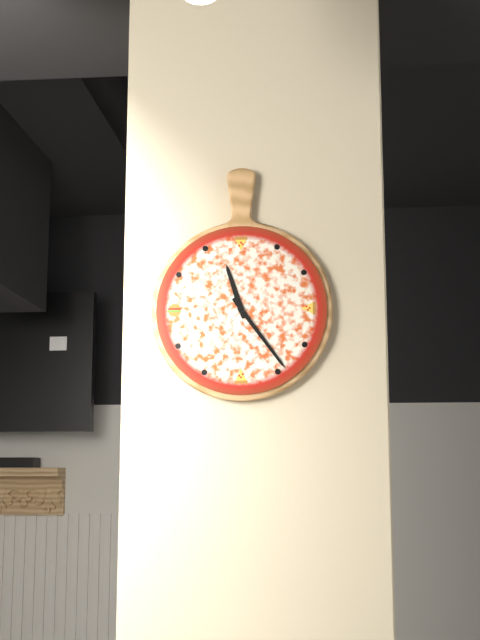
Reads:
h=11 m=24
